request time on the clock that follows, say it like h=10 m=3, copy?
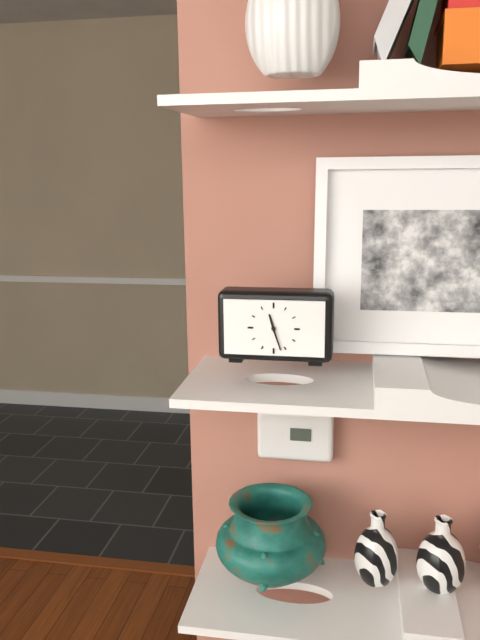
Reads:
h=11 m=27
